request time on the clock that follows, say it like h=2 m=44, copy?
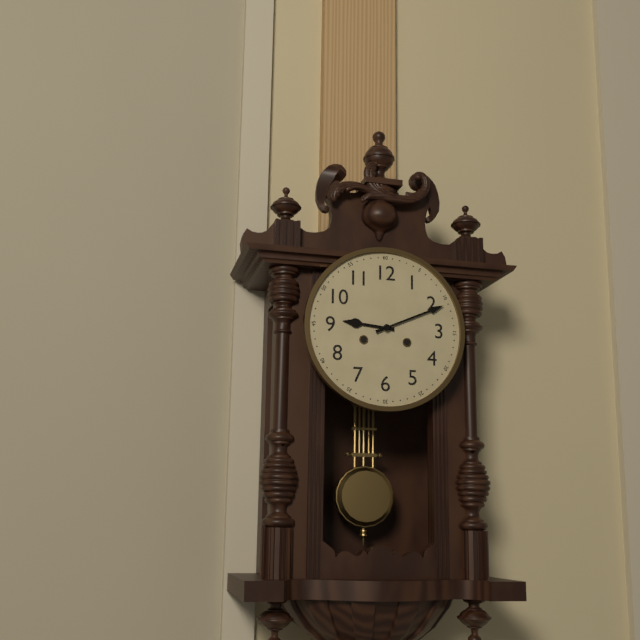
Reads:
h=9 m=11
